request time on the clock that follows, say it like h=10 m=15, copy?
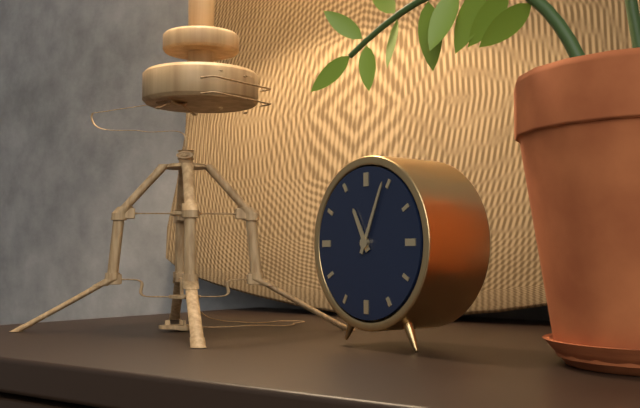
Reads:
h=11 m=4
